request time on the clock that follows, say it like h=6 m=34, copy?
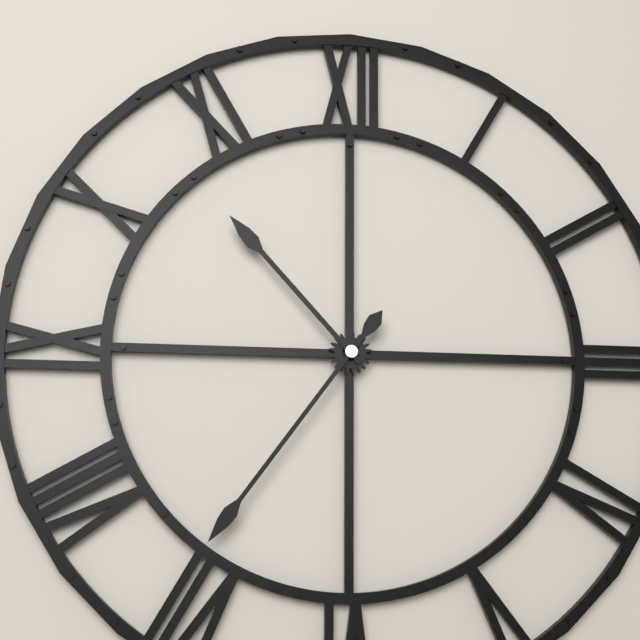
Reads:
h=10 m=36
